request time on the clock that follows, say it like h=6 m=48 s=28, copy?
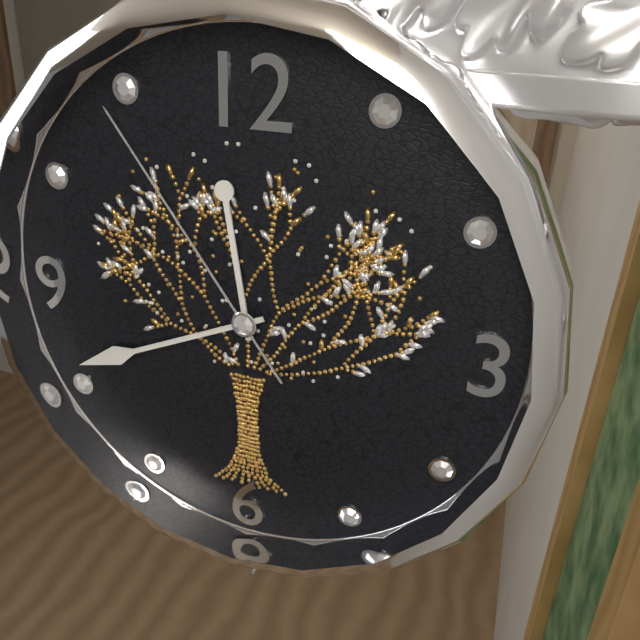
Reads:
h=11 m=41 s=54
